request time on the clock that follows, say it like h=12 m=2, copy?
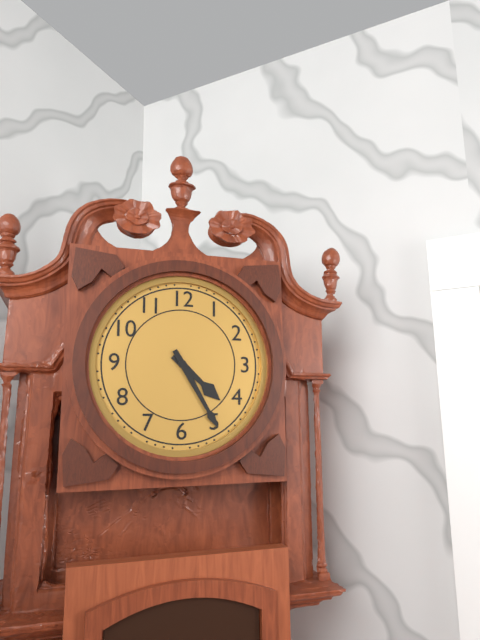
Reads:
h=4 m=25
